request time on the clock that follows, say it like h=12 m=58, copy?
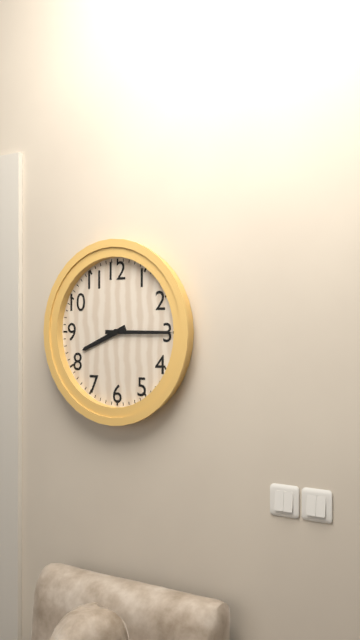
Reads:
h=8 m=15
